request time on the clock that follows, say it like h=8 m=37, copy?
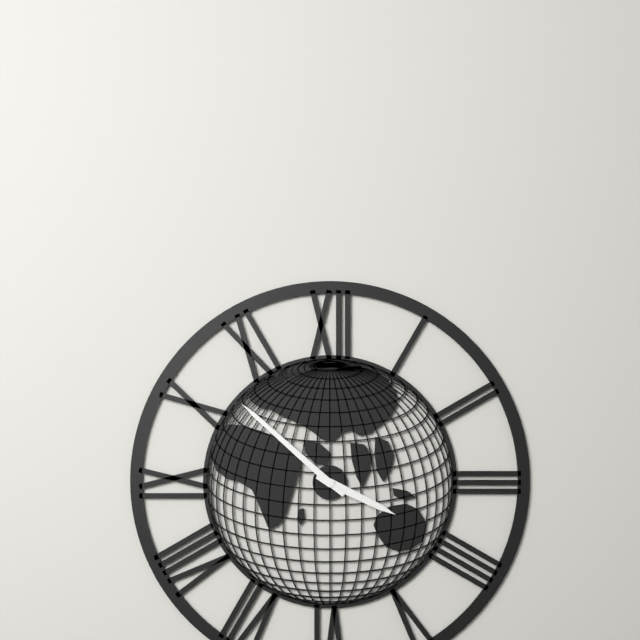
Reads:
h=3 m=52
